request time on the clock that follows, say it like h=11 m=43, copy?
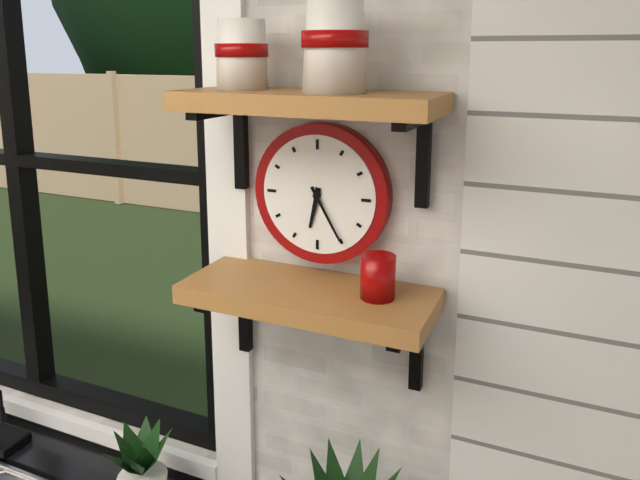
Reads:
h=6 m=25
